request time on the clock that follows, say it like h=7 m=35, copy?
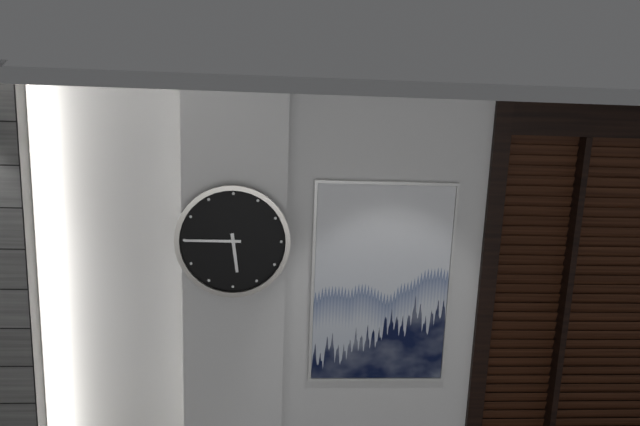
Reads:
h=5 m=45
